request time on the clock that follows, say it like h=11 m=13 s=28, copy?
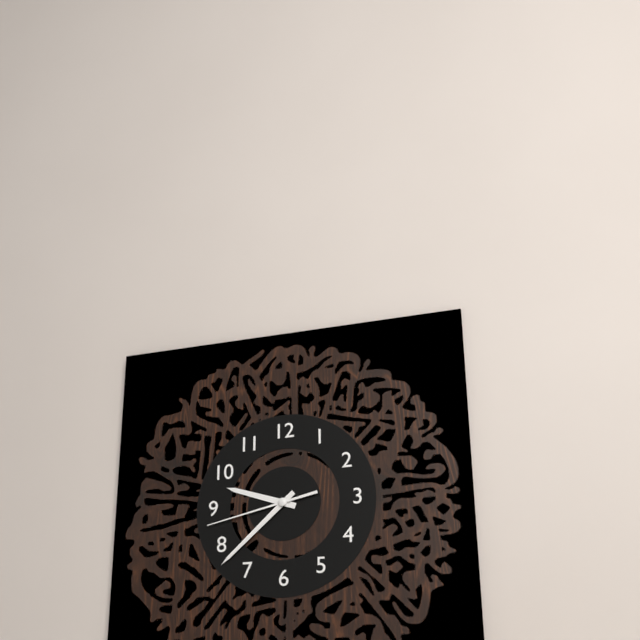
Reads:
h=9 m=38 s=43
